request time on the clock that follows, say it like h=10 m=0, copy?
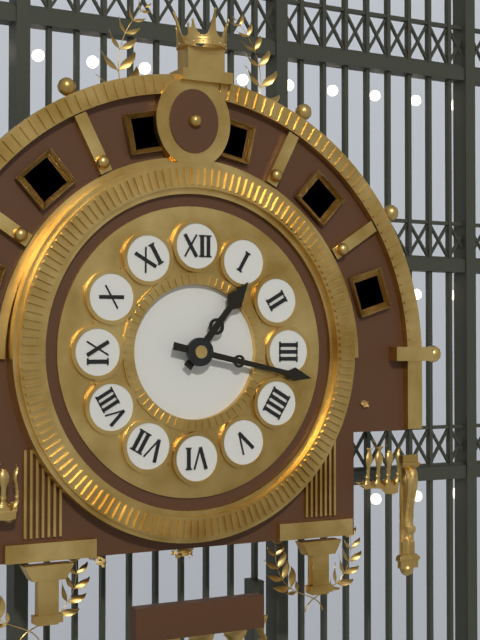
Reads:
h=1 m=17
